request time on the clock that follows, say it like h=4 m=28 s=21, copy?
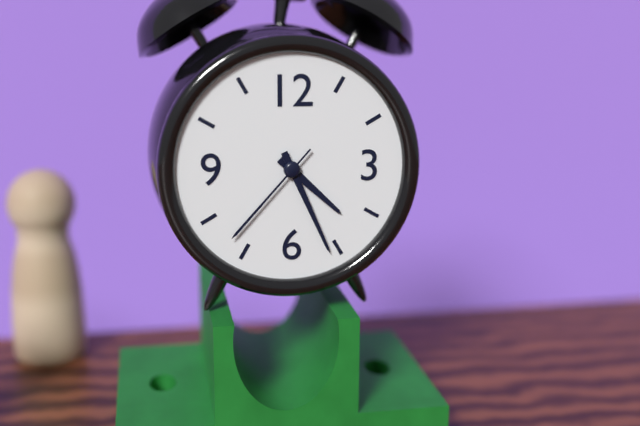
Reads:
h=4 m=26 s=37
